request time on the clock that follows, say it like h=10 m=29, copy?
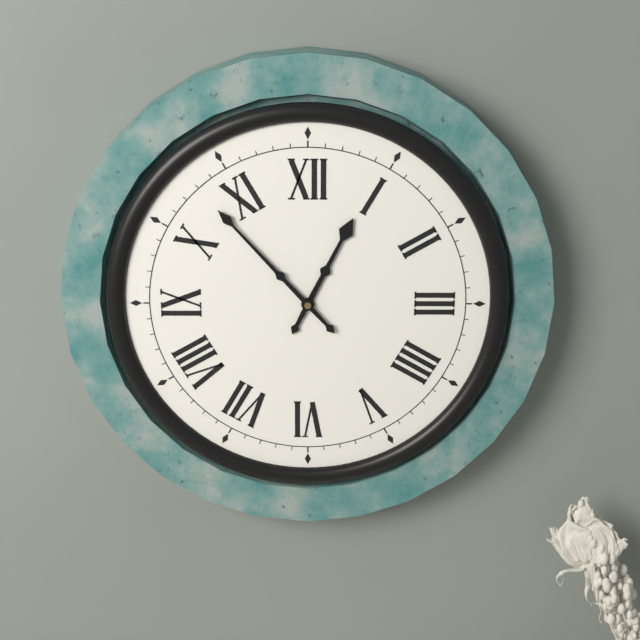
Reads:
h=12 m=53
